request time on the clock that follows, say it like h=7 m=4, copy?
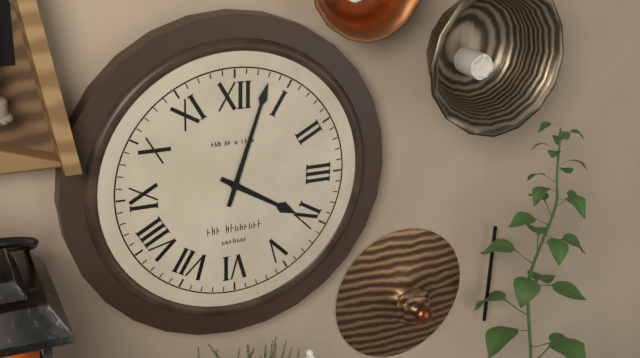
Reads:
h=4 m=3
